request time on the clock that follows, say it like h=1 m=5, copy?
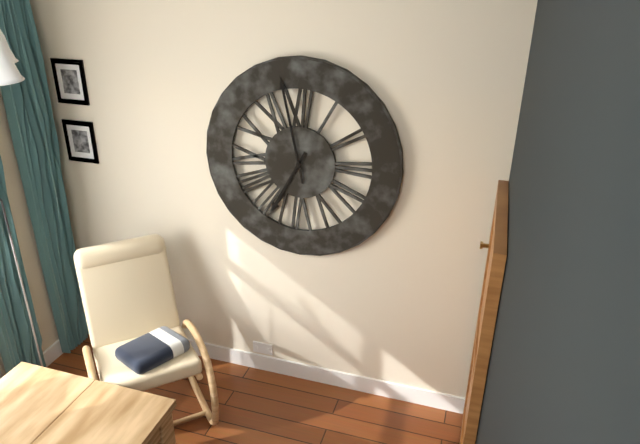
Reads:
h=6 m=58
